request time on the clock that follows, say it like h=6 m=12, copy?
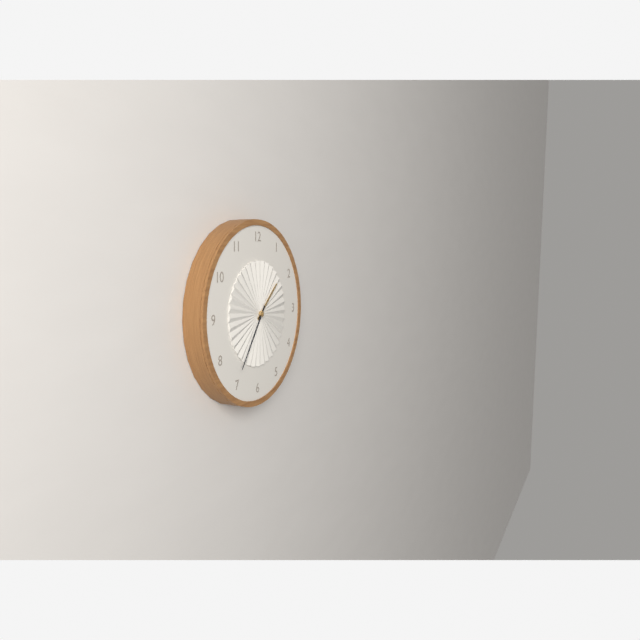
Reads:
h=1 m=36
